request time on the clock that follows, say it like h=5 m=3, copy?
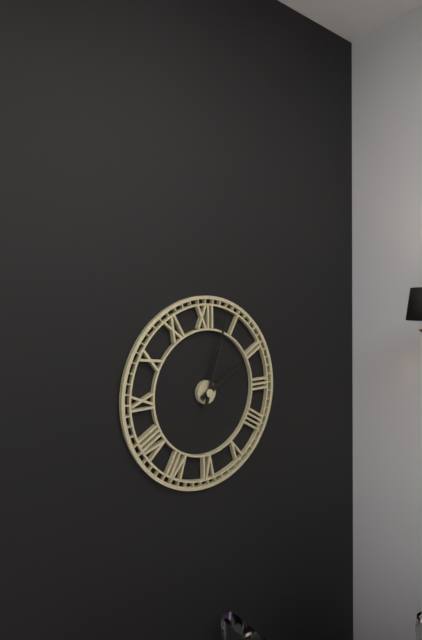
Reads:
h=2 m=3
